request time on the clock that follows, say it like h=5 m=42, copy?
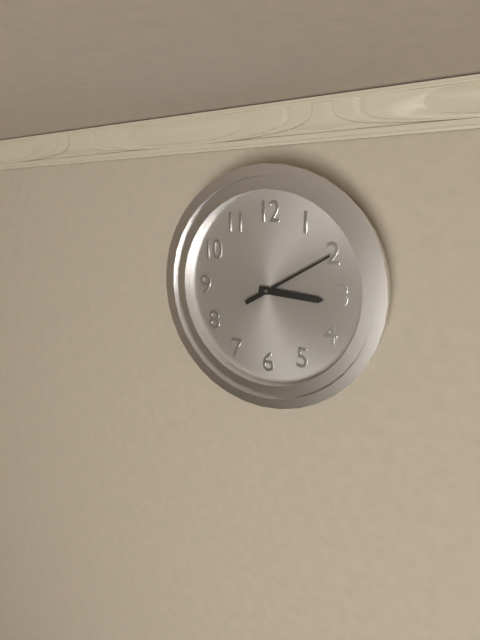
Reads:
h=3 m=10
